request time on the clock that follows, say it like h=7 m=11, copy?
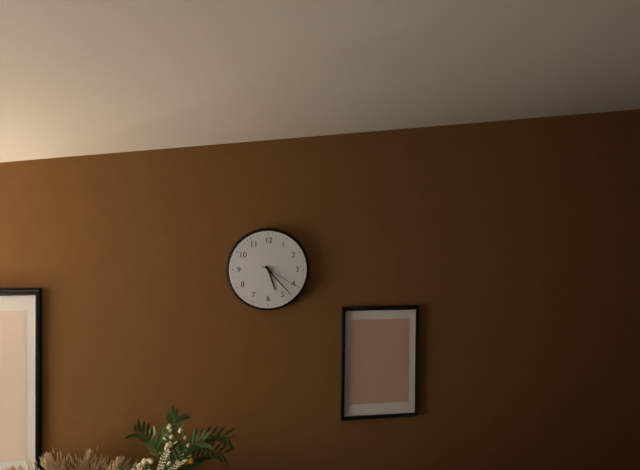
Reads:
h=5 m=23
